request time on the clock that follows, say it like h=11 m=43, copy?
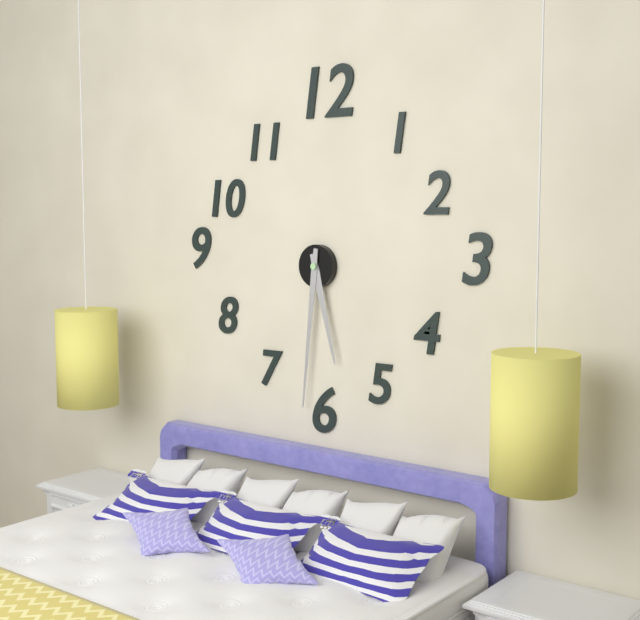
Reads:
h=5 m=31
